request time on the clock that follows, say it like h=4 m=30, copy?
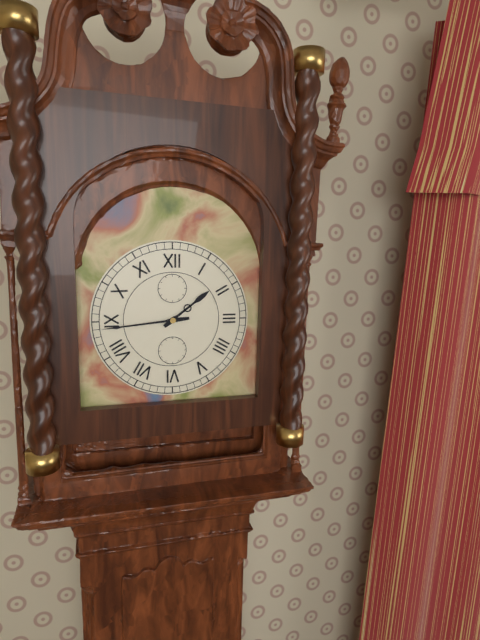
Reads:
h=1 m=44
